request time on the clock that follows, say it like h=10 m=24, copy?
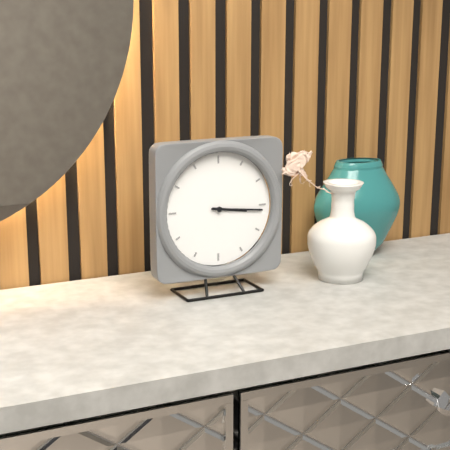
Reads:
h=3 m=16
